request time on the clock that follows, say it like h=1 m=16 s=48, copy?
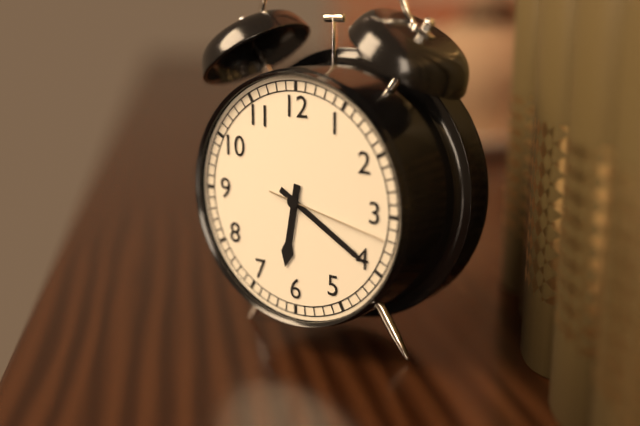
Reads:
h=6 m=20 s=17
